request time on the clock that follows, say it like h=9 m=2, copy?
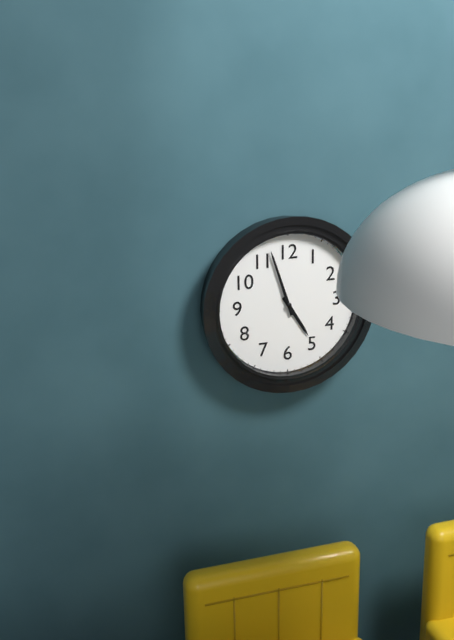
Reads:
h=4 m=57
